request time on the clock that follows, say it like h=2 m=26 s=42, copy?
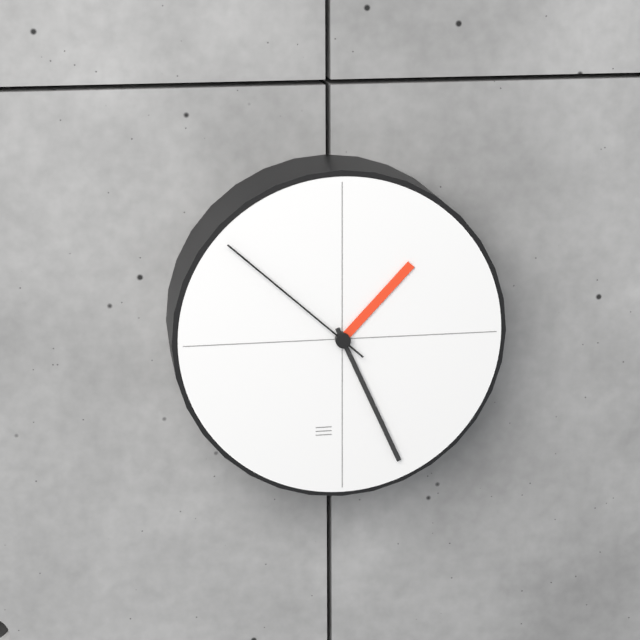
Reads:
h=1 m=26 s=52
